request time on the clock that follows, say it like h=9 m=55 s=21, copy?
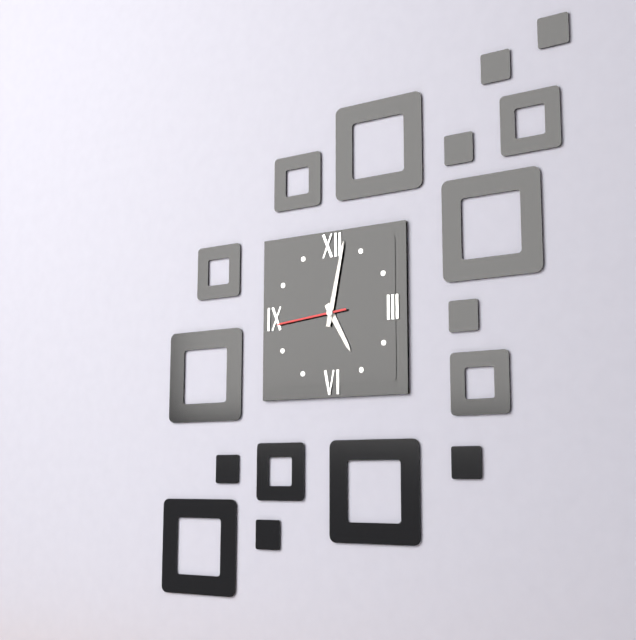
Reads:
h=5 m=2 s=44
